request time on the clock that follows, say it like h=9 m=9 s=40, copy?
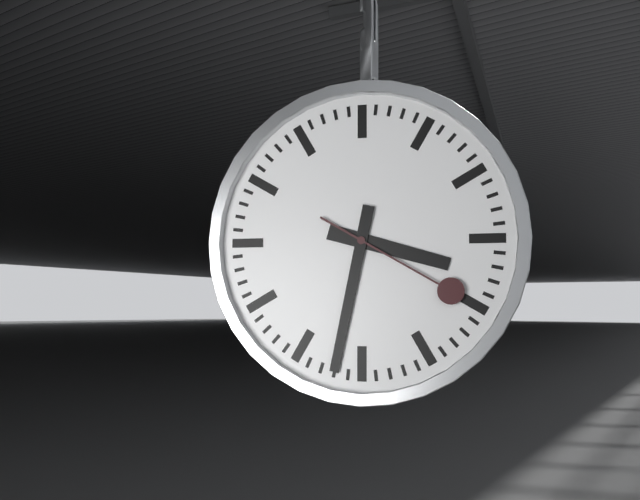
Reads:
h=3 m=32 s=20
